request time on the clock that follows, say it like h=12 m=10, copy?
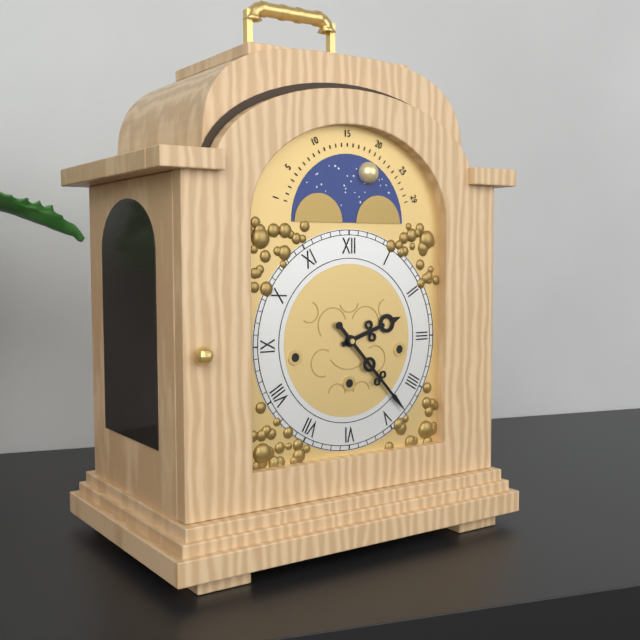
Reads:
h=2 m=23
